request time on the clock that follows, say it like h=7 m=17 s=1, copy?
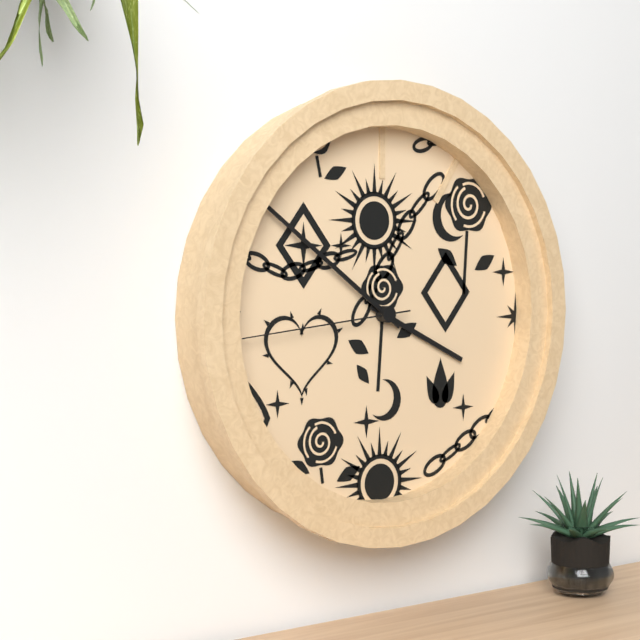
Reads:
h=3 m=51 s=44
